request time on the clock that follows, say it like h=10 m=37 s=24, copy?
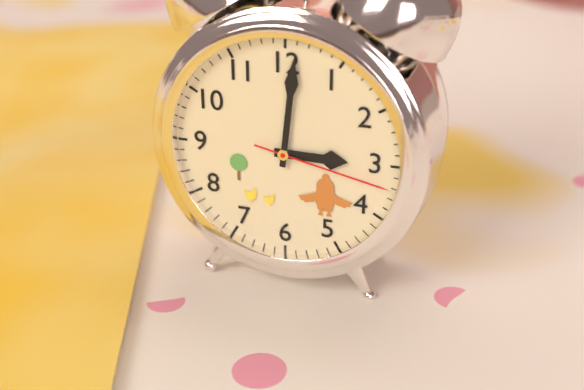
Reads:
h=3 m=1 s=17
